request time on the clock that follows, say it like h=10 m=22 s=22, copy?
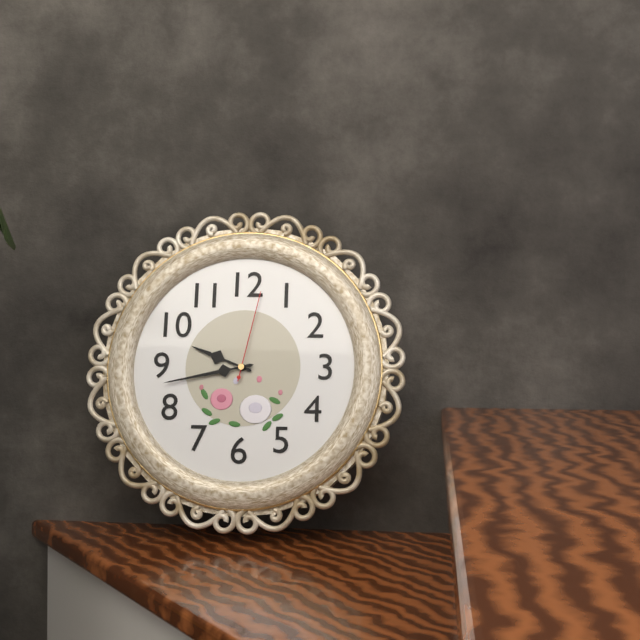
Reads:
h=9 m=43 s=2
